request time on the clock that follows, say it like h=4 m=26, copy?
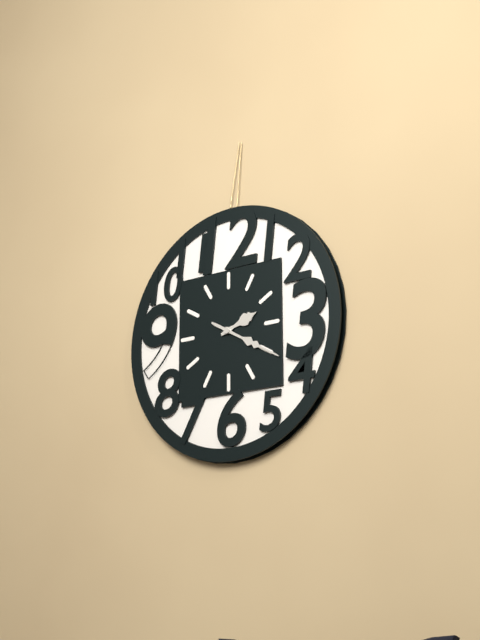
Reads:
h=2 m=20
